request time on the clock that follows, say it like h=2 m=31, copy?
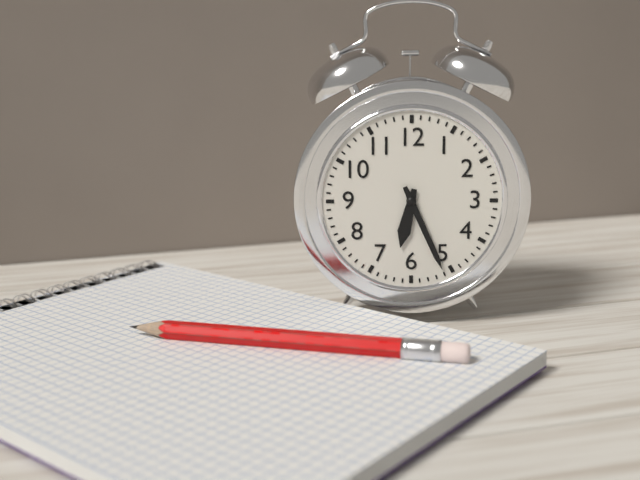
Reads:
h=6 m=26
